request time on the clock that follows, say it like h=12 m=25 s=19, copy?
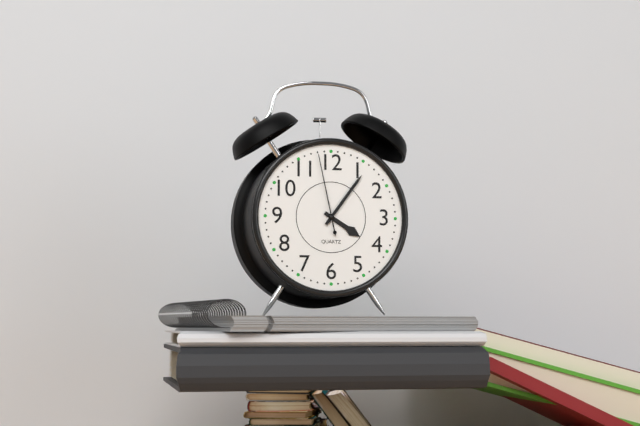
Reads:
h=4 m=6 s=58
